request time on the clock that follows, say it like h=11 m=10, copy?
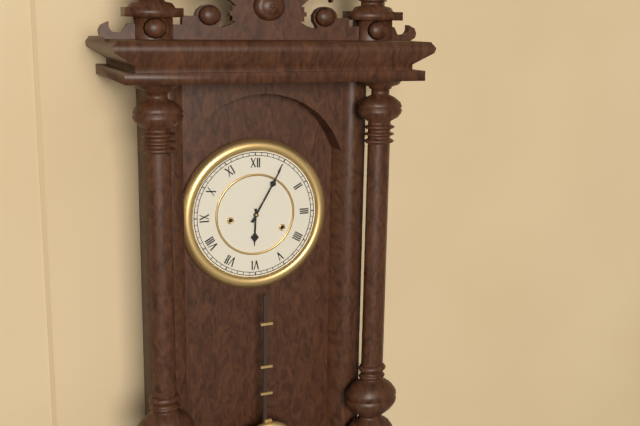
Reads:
h=6 m=5
